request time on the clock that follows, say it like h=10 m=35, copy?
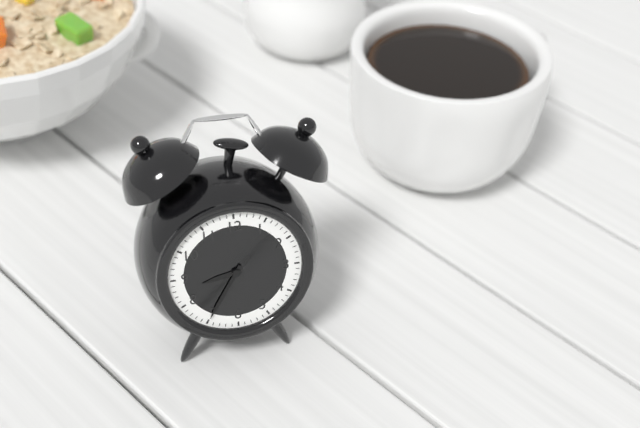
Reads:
h=8 m=35
